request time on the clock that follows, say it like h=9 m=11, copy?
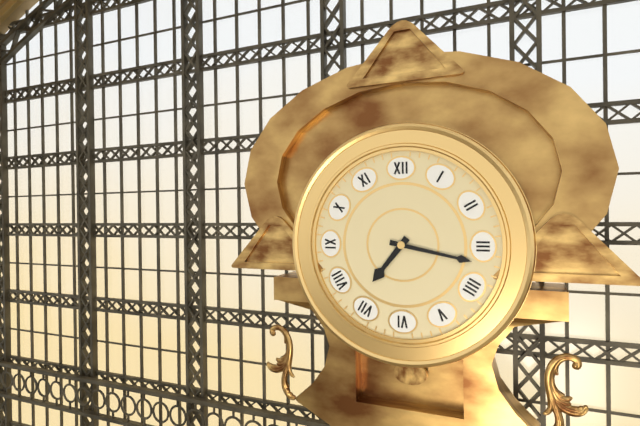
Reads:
h=7 m=17
